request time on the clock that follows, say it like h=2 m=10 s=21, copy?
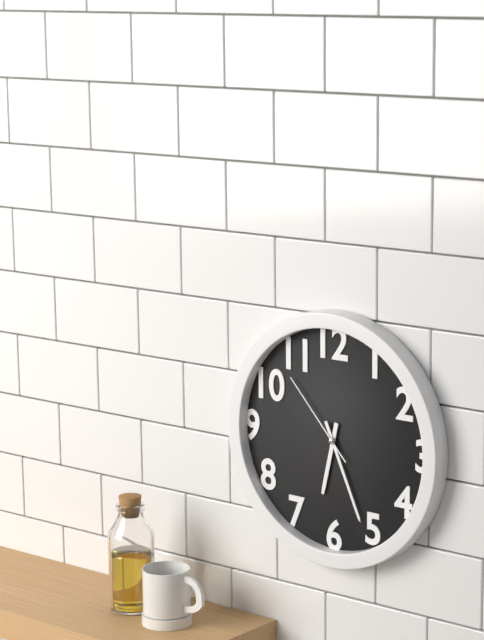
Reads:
h=6 m=26 s=53
